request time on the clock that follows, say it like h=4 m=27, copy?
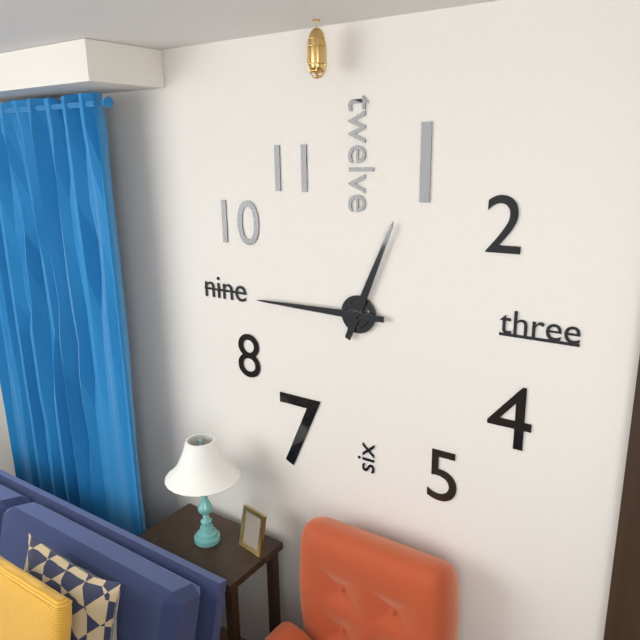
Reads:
h=12 m=45
